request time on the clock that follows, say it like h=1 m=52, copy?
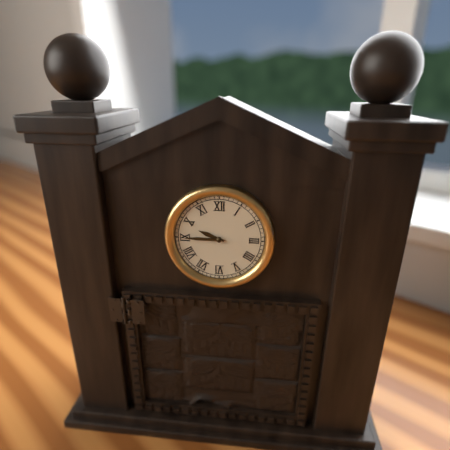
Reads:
h=9 m=45
